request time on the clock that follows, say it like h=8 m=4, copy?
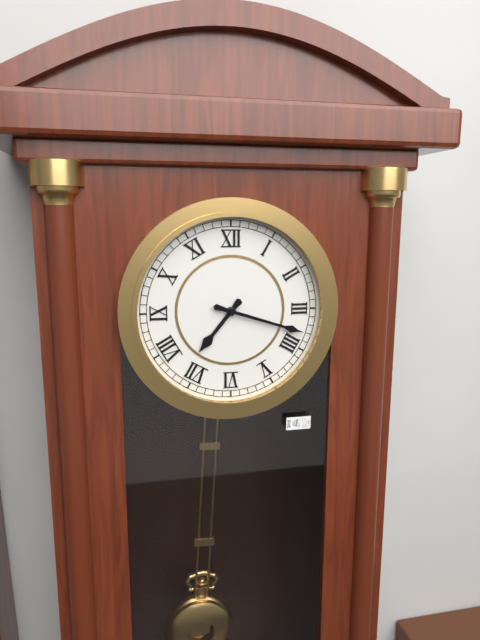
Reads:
h=7 m=18
